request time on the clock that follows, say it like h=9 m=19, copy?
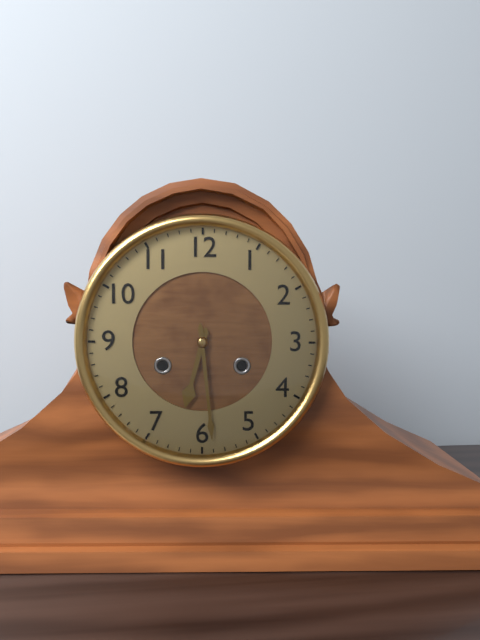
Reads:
h=6 m=29
